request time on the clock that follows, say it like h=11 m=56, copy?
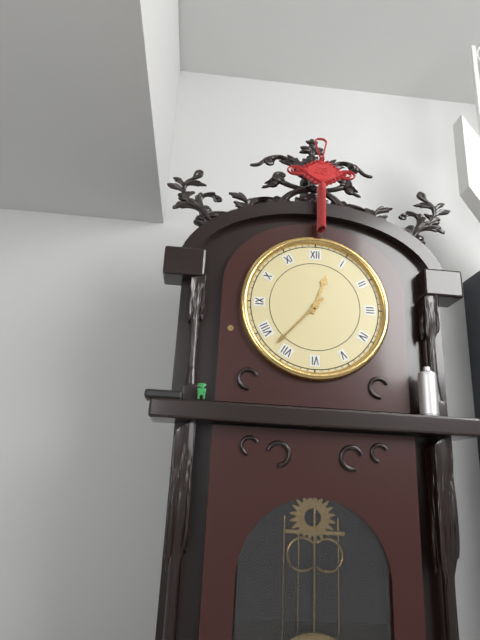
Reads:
h=12 m=37
